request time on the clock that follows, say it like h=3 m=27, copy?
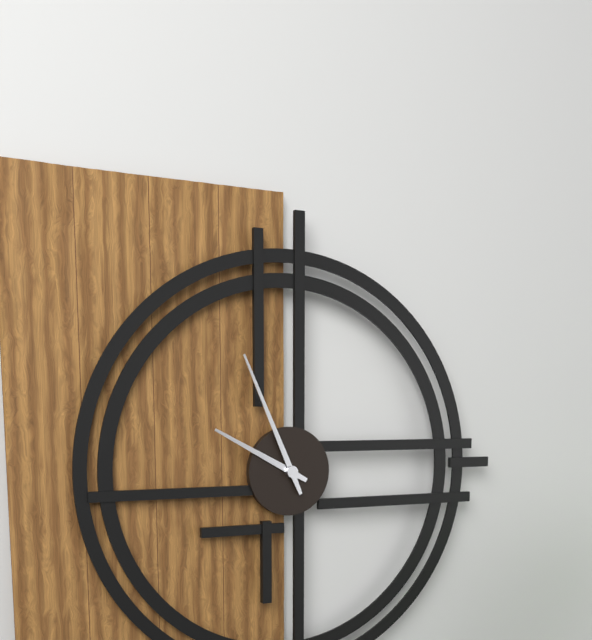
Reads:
h=9 m=56
